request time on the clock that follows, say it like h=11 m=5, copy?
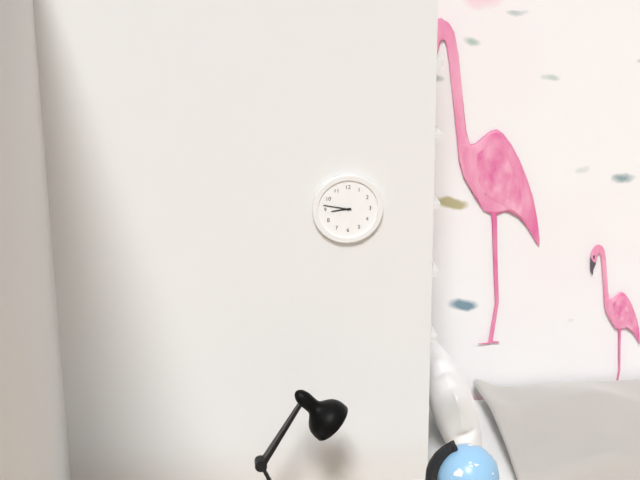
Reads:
h=8 m=47
